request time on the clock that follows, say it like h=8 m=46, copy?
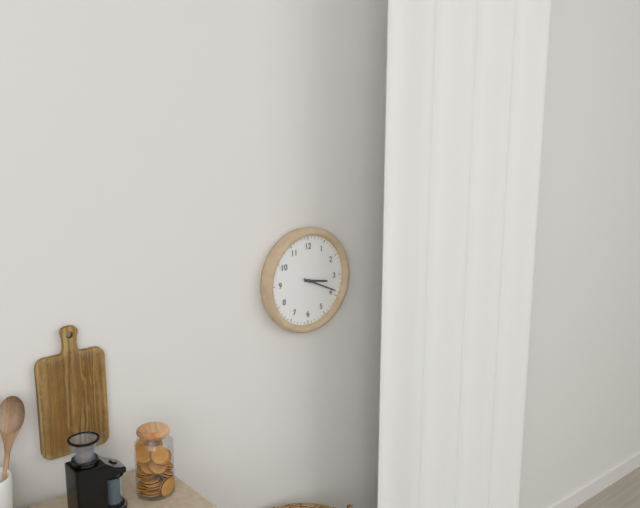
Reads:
h=3 m=19
